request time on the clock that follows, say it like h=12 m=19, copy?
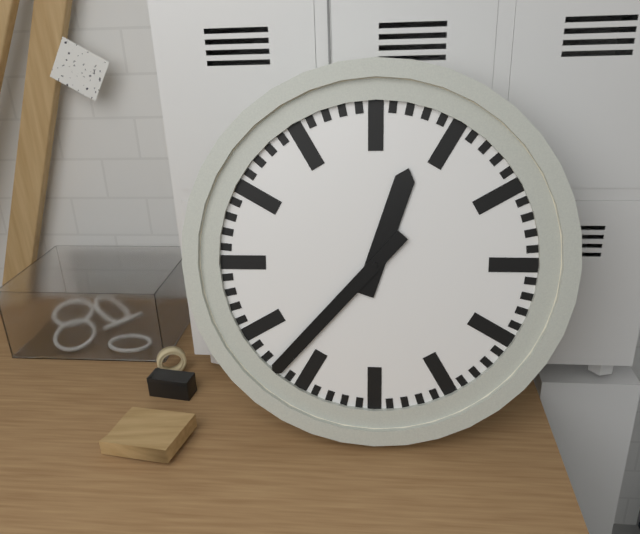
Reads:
h=12 m=37
